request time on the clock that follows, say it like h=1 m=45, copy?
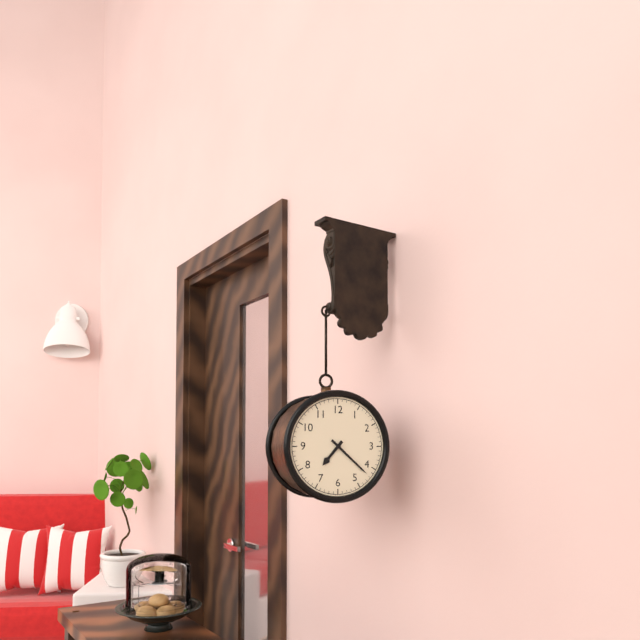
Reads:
h=7 m=22
